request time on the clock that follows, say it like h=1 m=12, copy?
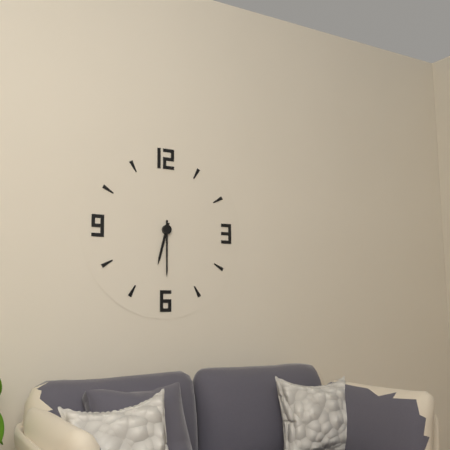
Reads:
h=6 m=30
